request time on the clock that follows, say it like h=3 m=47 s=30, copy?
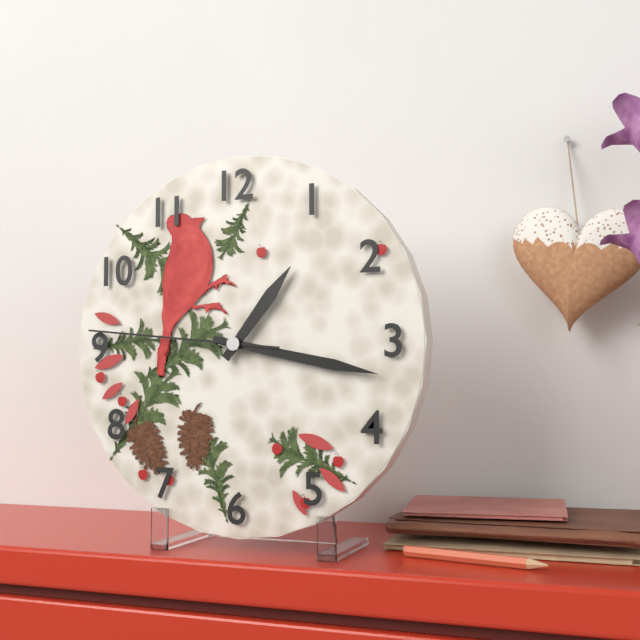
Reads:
h=1 m=17 s=46
